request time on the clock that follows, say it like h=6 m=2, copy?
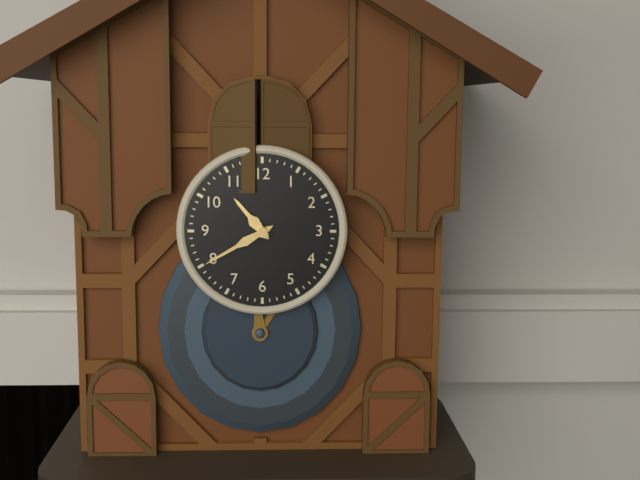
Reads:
h=10 m=40
